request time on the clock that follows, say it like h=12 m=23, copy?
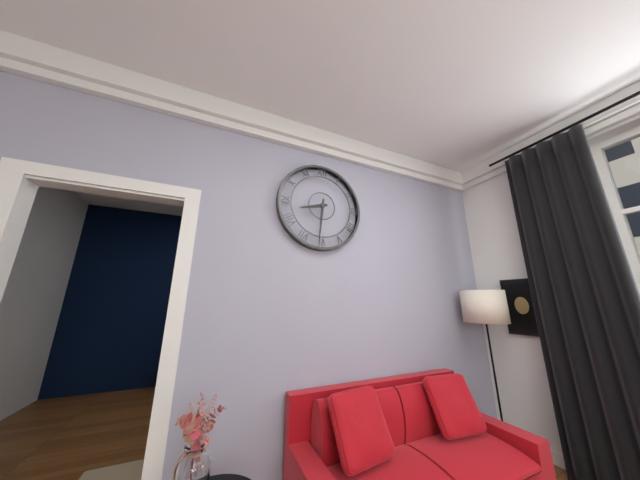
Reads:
h=8 m=31
